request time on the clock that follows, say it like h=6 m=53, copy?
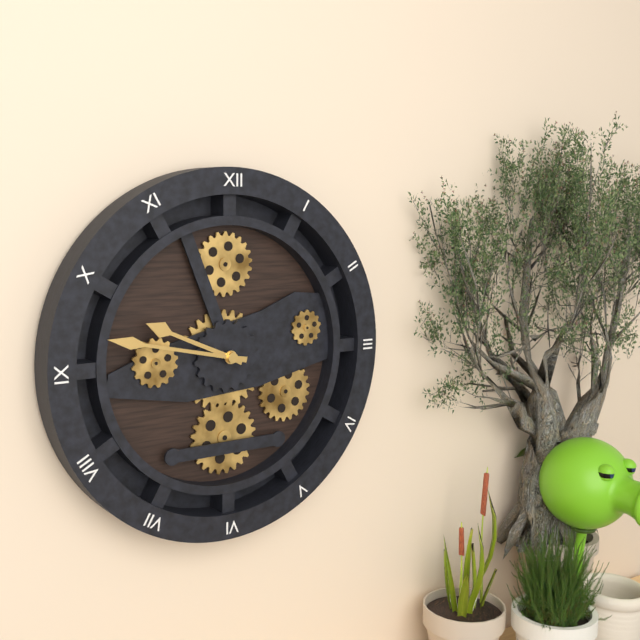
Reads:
h=9 m=47
